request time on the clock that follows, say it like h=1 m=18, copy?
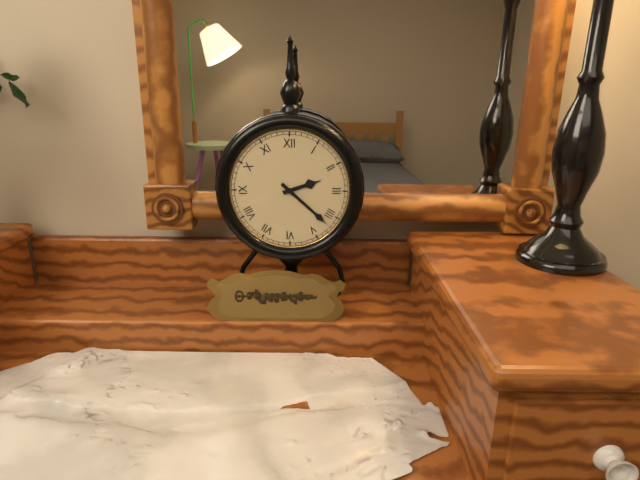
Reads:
h=2 m=22
